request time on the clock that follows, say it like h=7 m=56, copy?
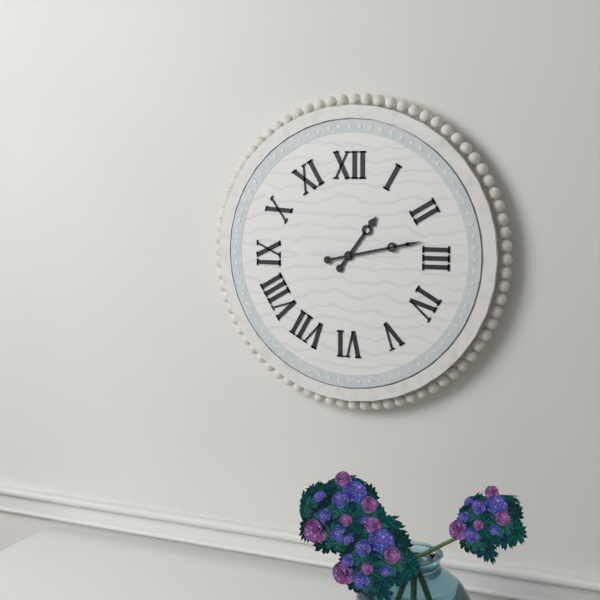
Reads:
h=1 m=13
